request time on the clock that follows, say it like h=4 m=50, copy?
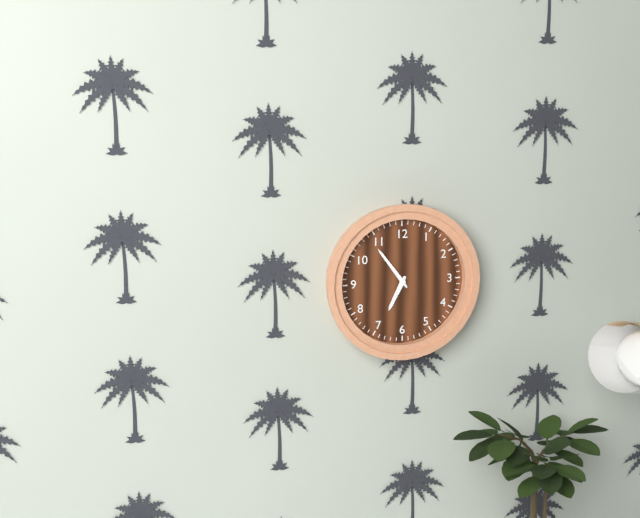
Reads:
h=6 m=54
